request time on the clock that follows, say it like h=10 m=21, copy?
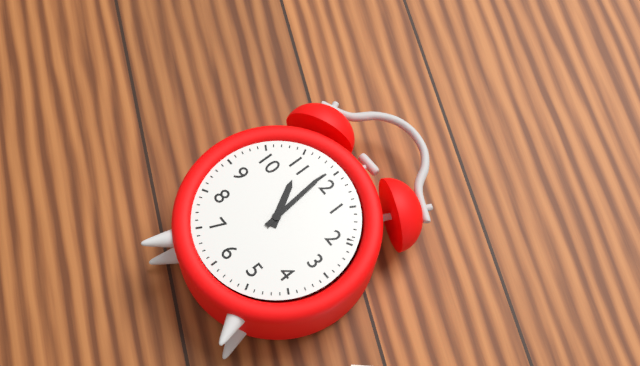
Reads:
h=10 m=59
